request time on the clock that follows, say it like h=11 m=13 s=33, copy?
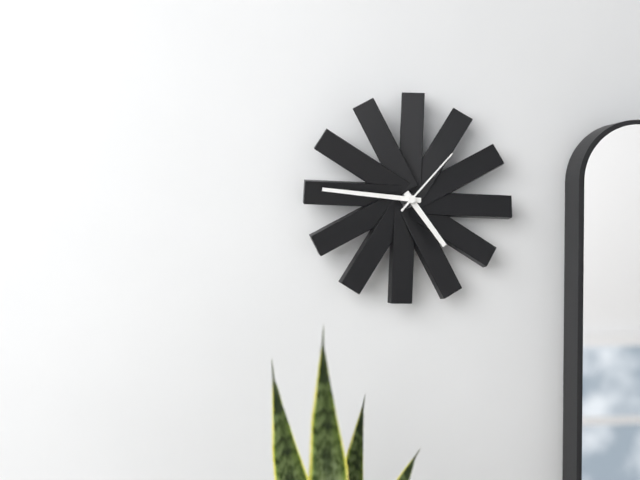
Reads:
h=4 m=46 s=7
